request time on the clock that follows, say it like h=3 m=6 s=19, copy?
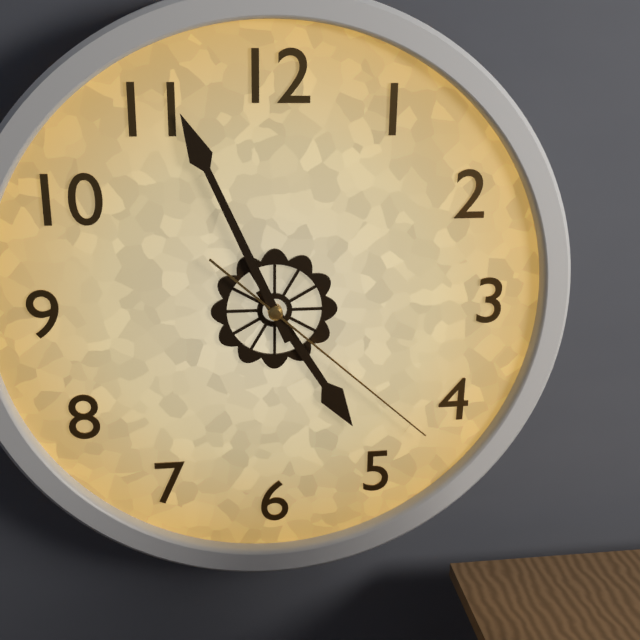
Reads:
h=4 m=56 s=22
